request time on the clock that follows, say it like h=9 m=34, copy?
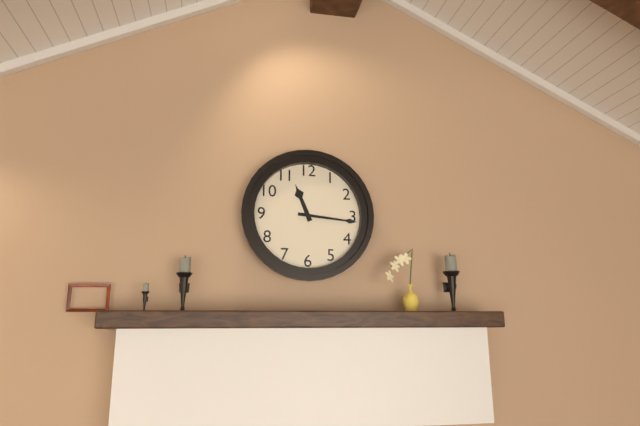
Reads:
h=11 m=16
